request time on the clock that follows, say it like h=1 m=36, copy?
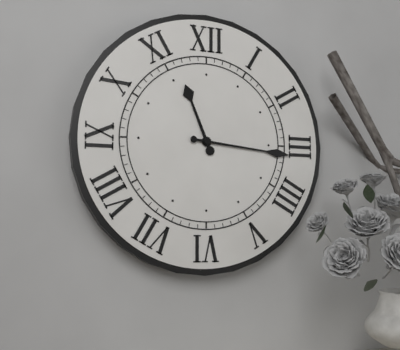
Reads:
h=11 m=16
